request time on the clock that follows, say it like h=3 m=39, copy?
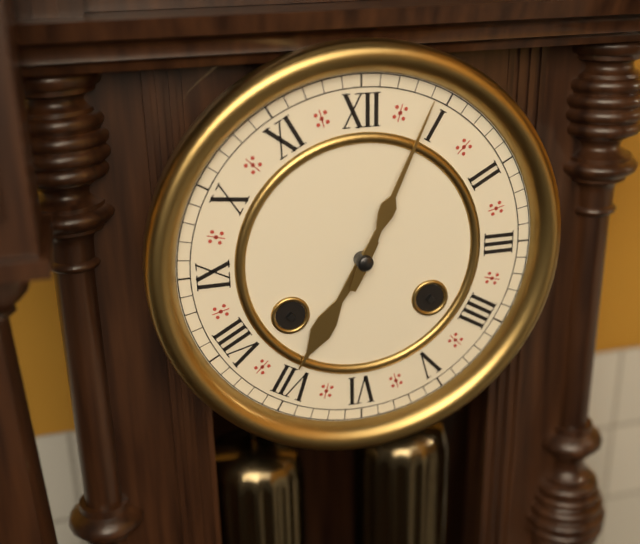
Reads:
h=7 m=4
